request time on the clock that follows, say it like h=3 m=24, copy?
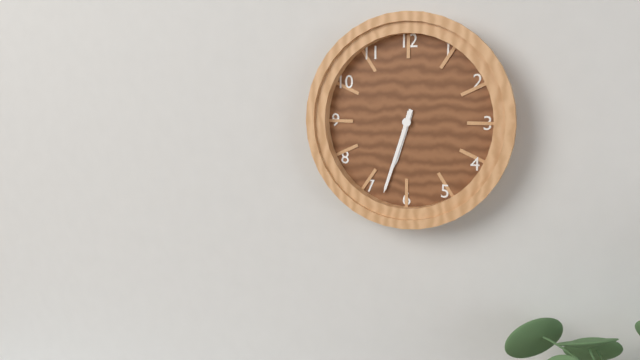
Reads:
h=6 m=33
